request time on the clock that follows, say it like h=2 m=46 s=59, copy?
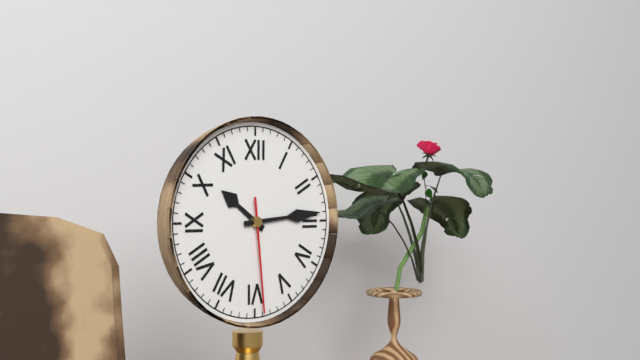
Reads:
h=10 m=14 s=29
